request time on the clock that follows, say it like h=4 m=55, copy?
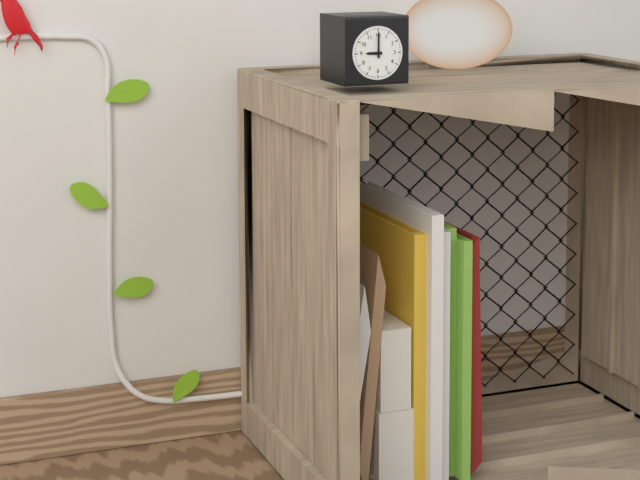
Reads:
h=9 m=0
